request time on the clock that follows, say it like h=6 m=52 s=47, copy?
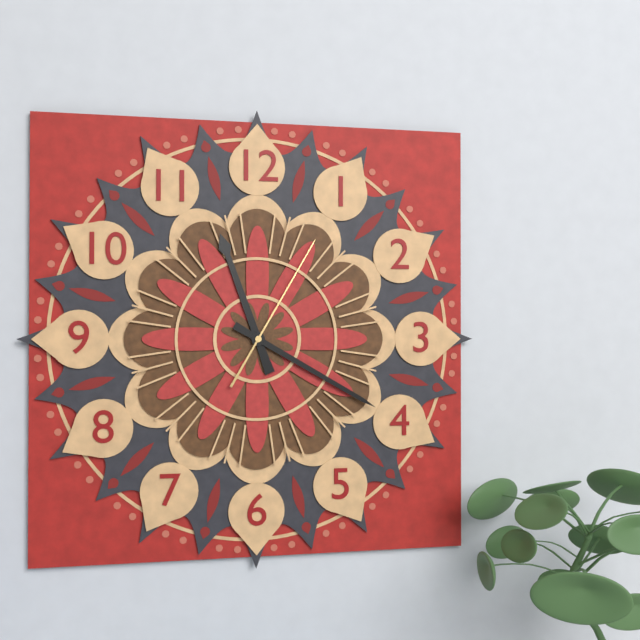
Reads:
h=11 m=20 s=5
